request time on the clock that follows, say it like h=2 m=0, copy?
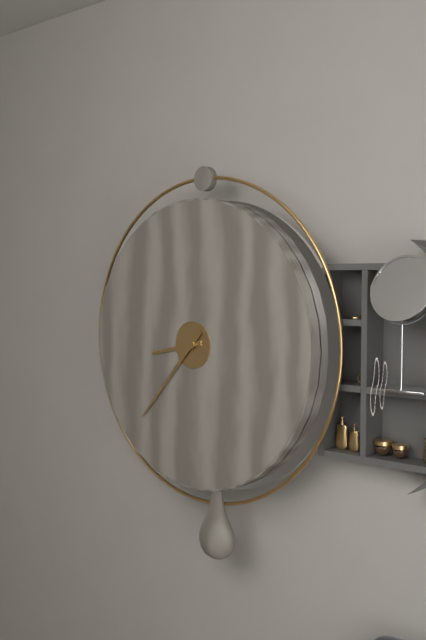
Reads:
h=8 m=37
